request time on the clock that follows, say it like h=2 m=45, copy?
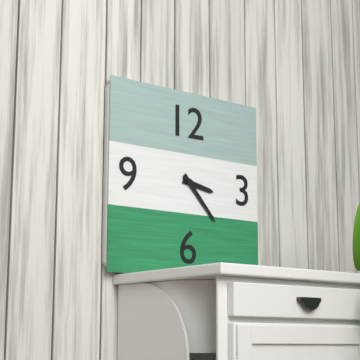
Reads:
h=3 m=23
